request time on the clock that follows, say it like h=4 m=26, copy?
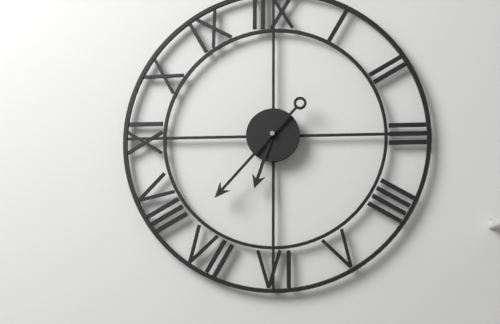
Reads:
h=6 m=37
